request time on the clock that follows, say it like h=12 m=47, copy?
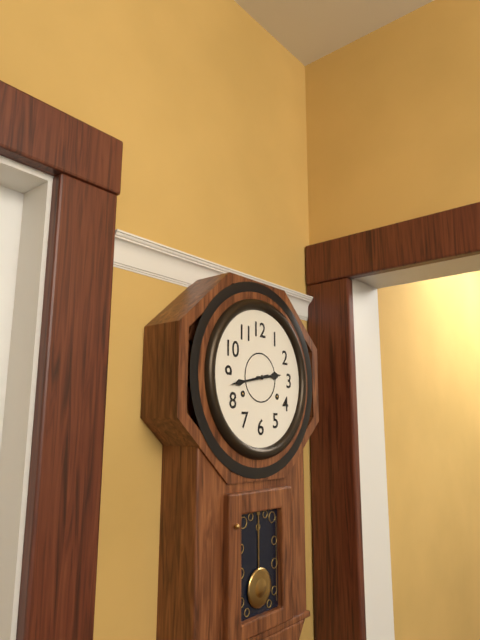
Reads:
h=2 m=43
